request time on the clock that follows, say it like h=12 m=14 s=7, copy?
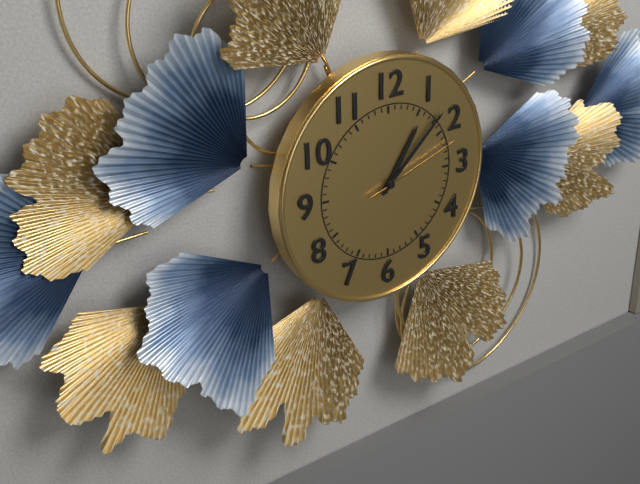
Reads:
h=1 m=8 s=12
